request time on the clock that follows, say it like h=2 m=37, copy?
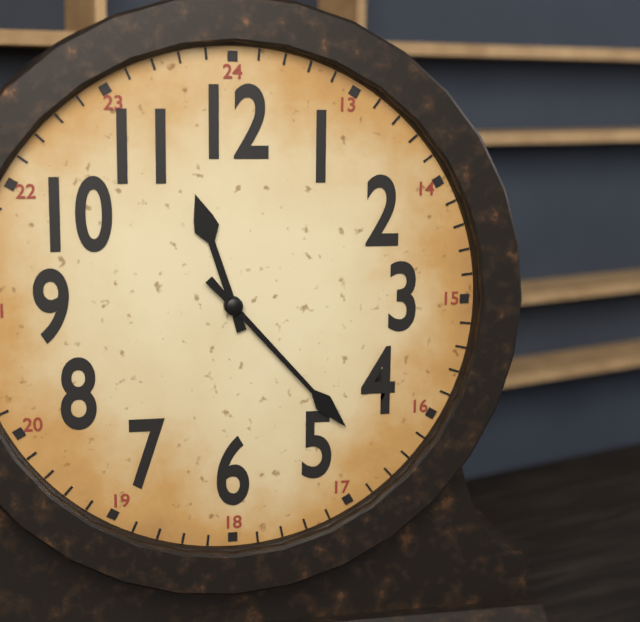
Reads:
h=11 m=23
